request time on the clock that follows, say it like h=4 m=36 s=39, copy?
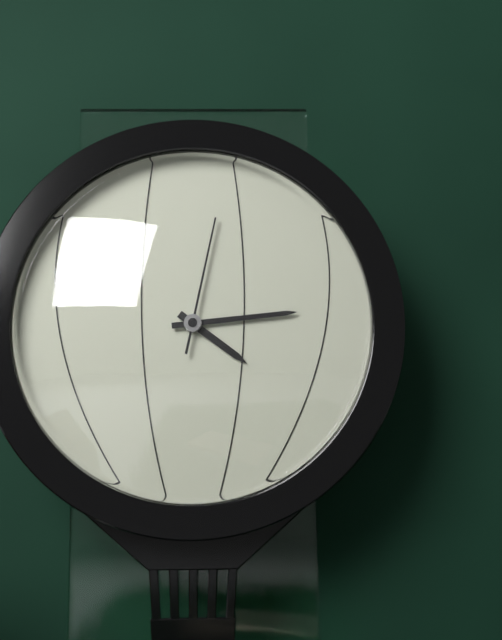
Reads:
h=4 m=14 s=2
